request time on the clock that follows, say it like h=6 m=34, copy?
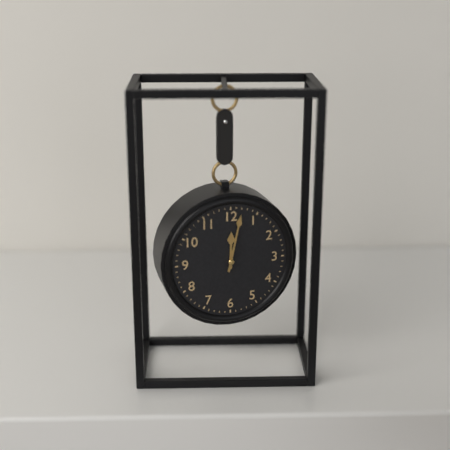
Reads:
h=12 m=2
